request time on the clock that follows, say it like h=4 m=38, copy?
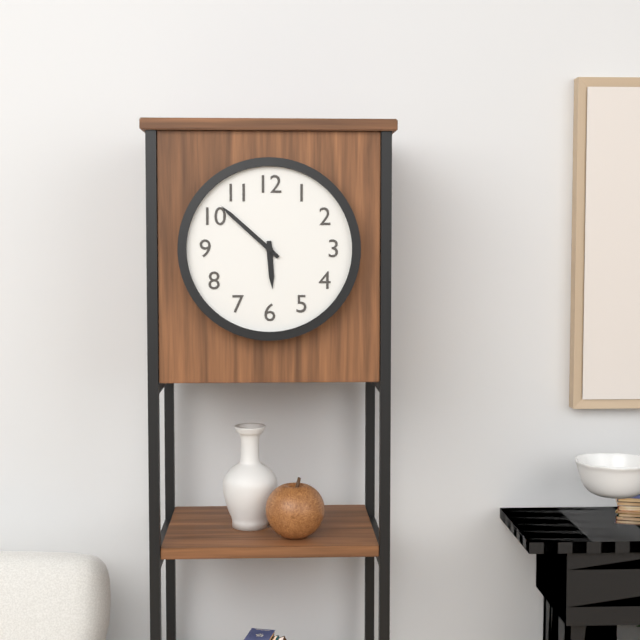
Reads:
h=5 m=52
